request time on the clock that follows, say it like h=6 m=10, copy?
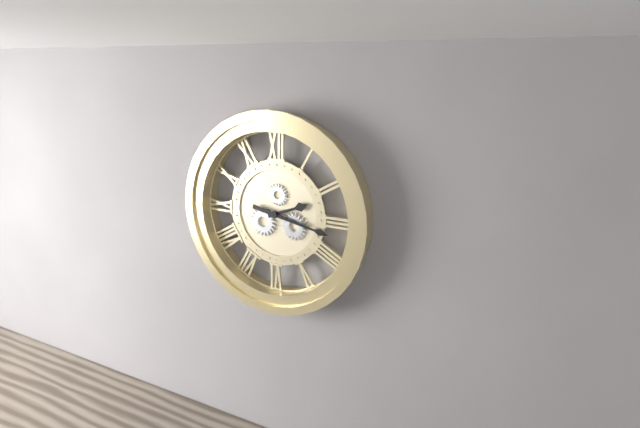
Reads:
h=2 m=17
